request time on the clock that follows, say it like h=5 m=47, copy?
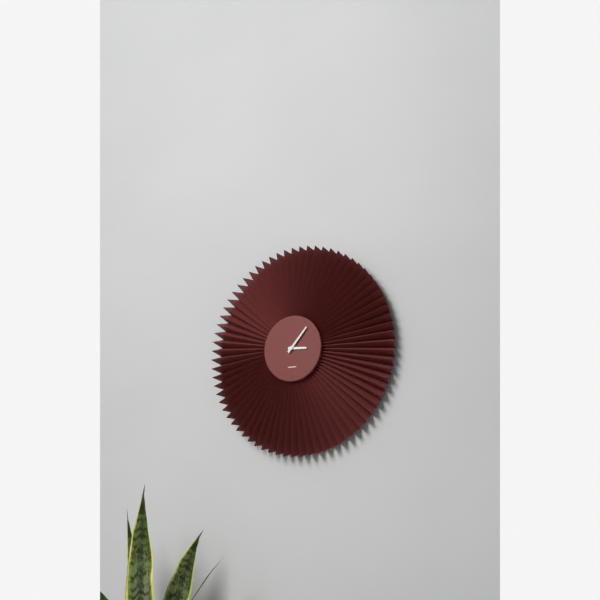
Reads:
h=3 m=7
